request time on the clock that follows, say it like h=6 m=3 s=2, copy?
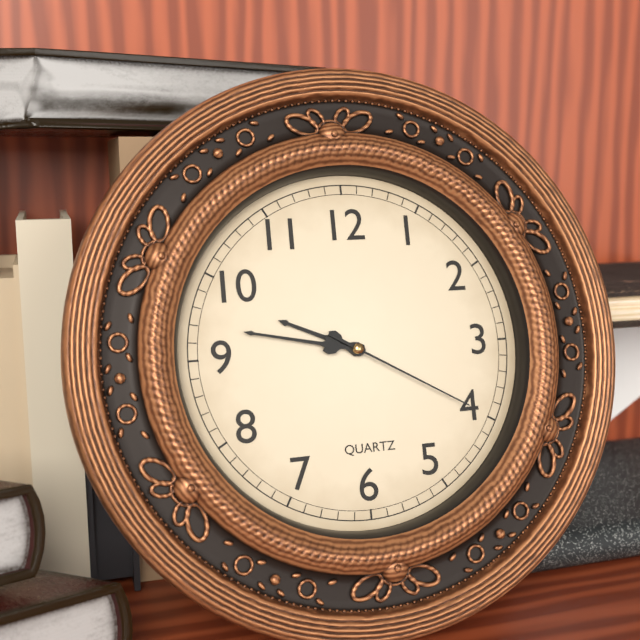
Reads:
h=9 m=47 s=20
